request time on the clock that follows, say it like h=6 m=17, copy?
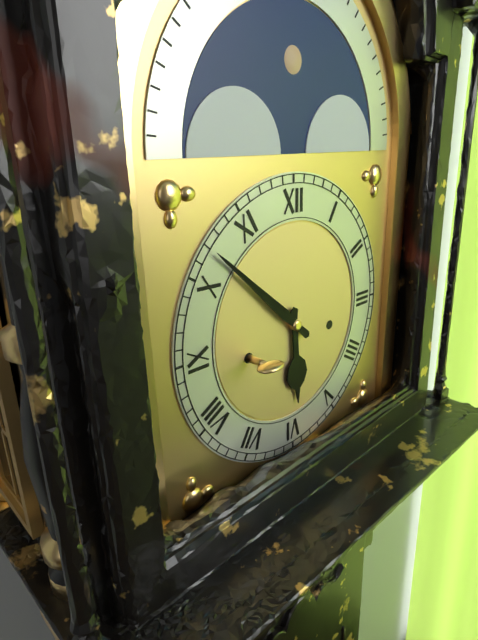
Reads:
h=5 m=52
